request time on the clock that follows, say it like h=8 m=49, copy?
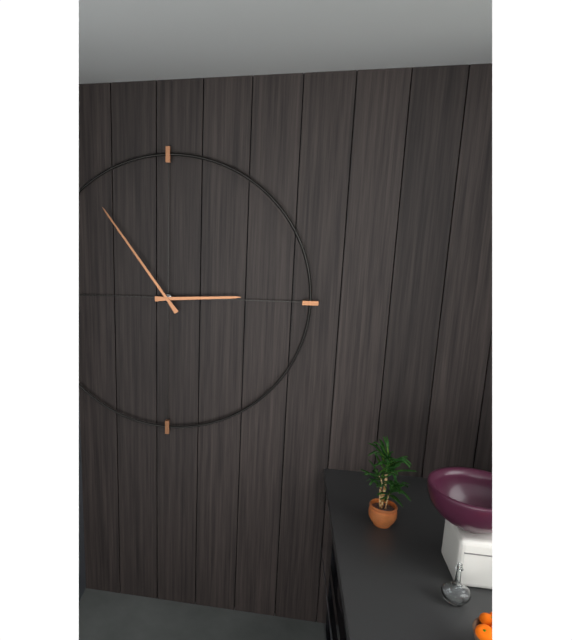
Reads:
h=2 m=54
